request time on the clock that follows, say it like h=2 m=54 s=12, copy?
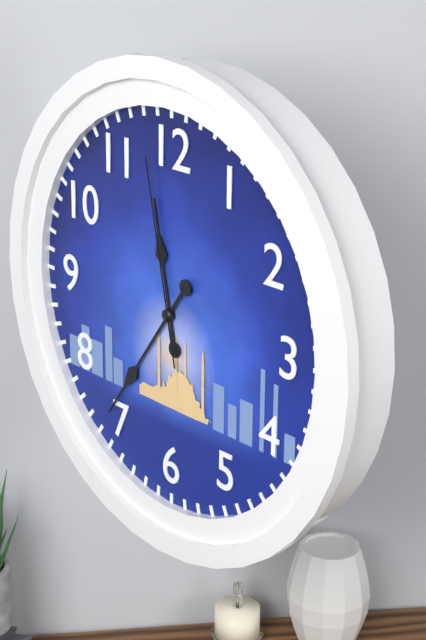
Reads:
h=11 m=36 s=58
